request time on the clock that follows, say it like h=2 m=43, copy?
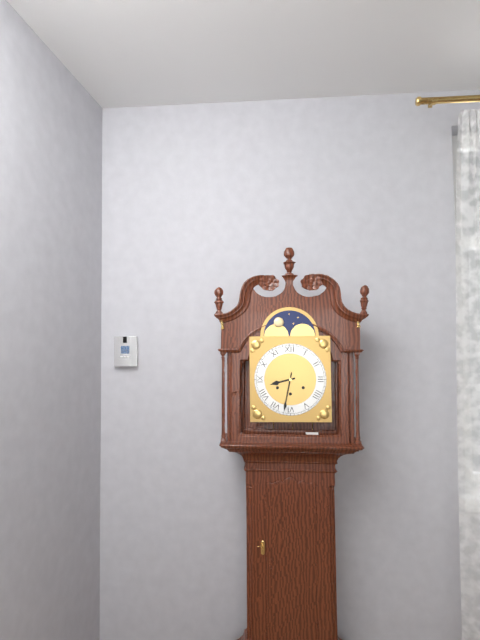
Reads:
h=8 m=32
